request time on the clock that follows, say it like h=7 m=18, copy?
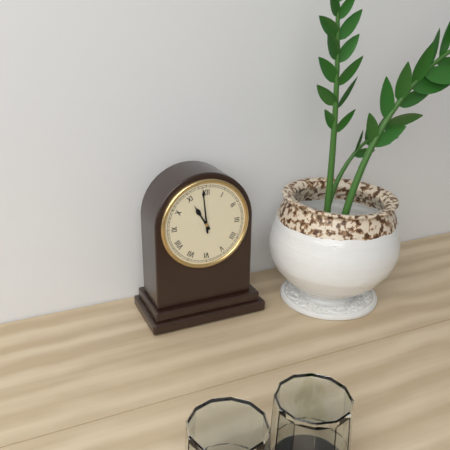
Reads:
h=10 m=59
